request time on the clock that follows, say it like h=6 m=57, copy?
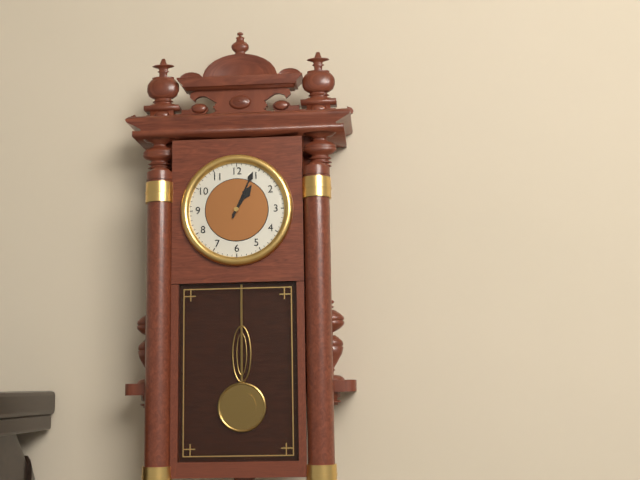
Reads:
h=1 m=4
